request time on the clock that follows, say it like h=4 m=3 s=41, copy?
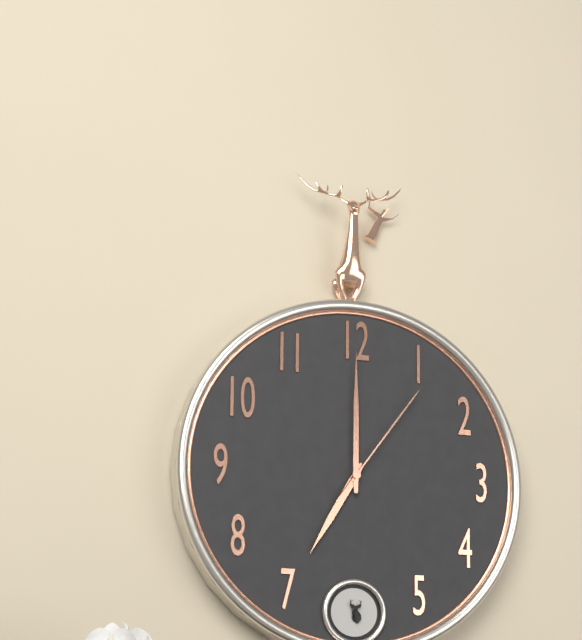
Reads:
h=7 m=0 s=6
